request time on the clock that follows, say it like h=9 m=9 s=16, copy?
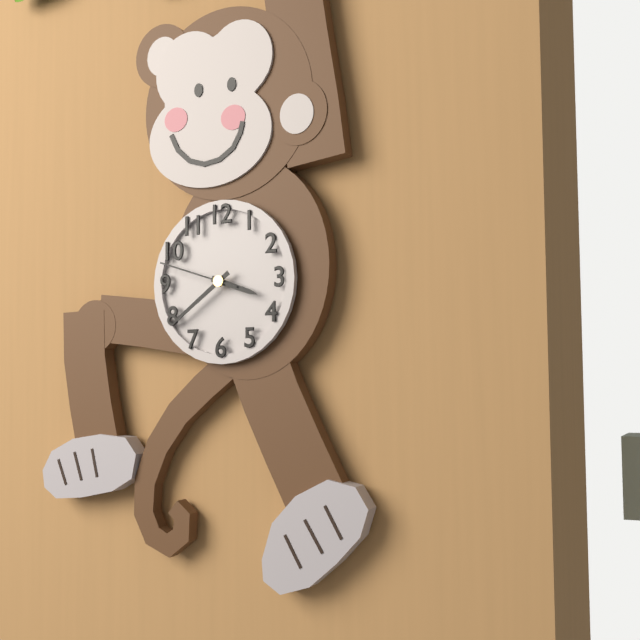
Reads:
h=3 m=39 s=48
